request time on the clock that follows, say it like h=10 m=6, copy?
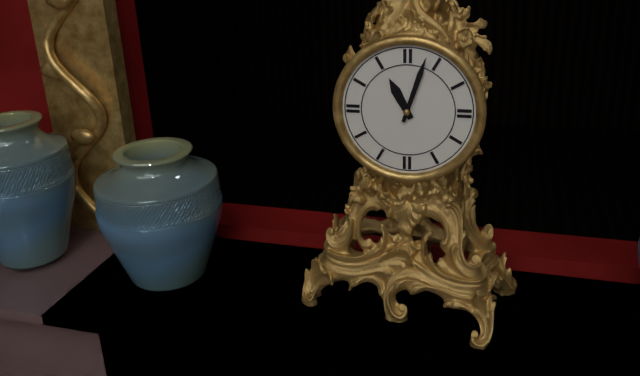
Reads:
h=11 m=3
